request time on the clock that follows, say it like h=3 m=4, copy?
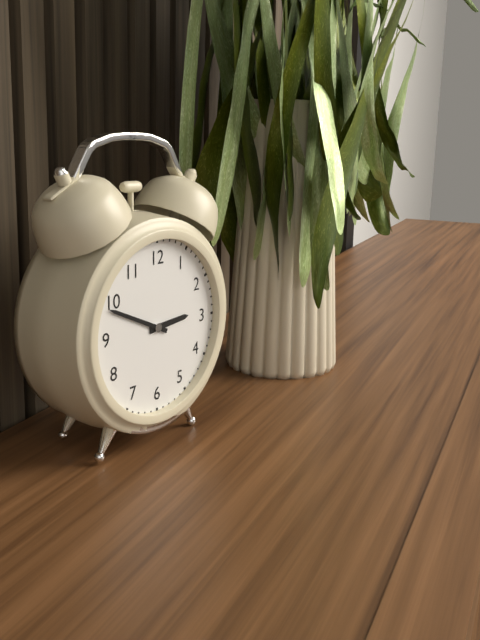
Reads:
h=2 m=49
